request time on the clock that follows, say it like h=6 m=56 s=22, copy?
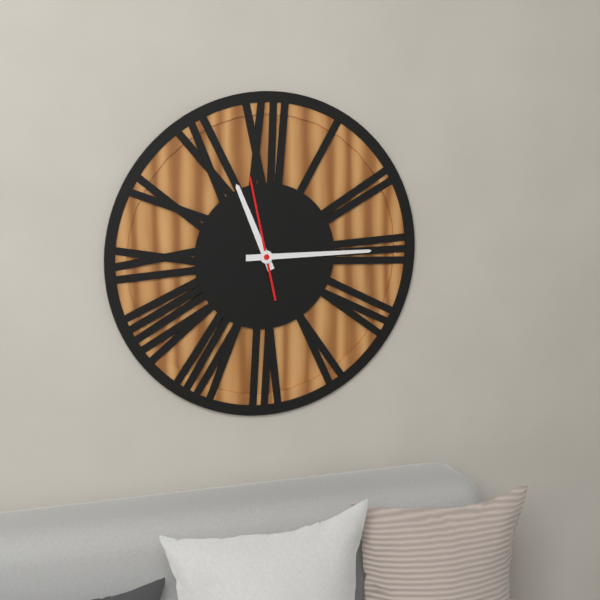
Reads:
h=11 m=15 s=58
